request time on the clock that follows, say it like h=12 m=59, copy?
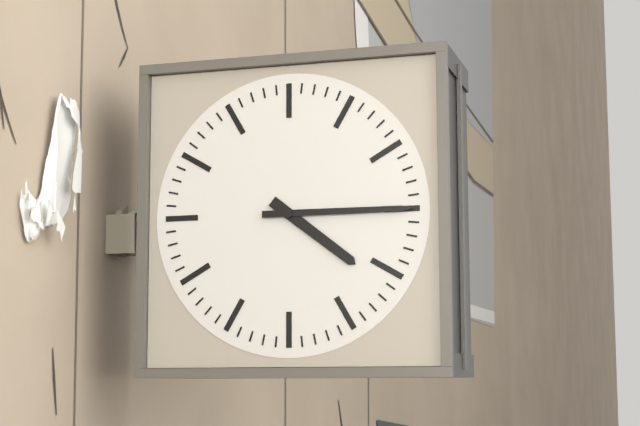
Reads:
h=4 m=15
